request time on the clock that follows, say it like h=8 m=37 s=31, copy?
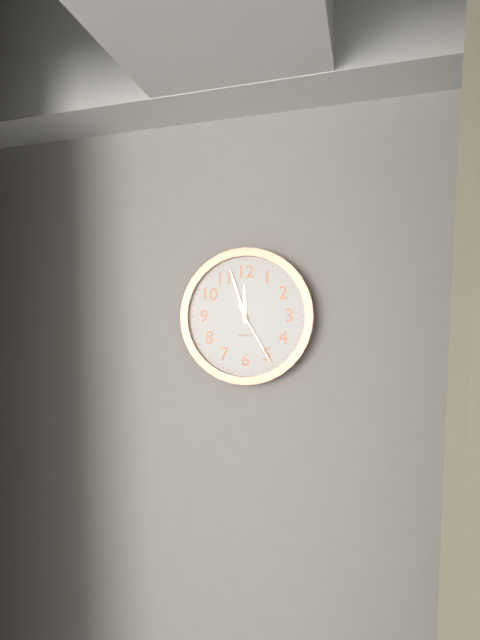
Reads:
h=11 m=57 s=25
